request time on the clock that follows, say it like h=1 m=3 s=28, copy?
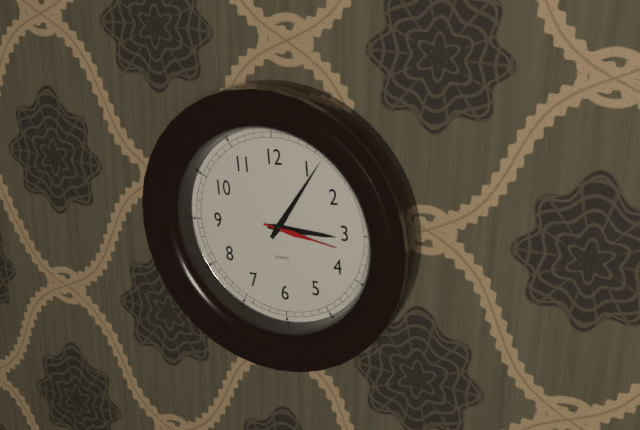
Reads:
h=3 m=6 s=17
